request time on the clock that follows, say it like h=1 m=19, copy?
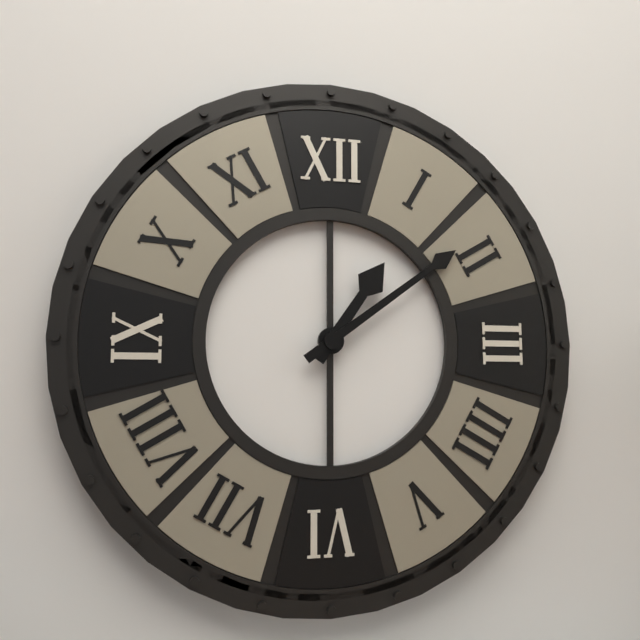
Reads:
h=1 m=9
